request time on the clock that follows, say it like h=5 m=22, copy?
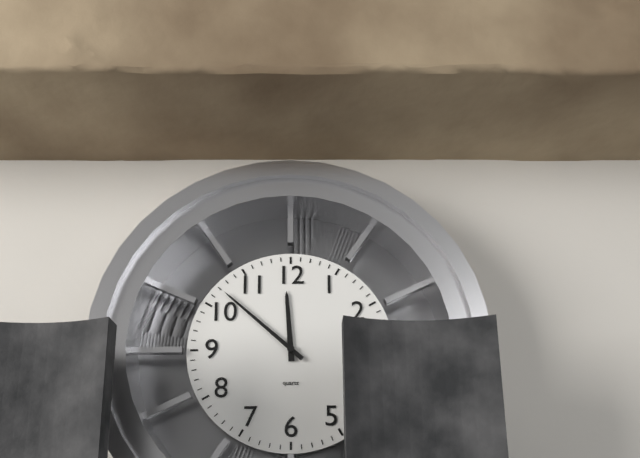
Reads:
h=11 m=52
